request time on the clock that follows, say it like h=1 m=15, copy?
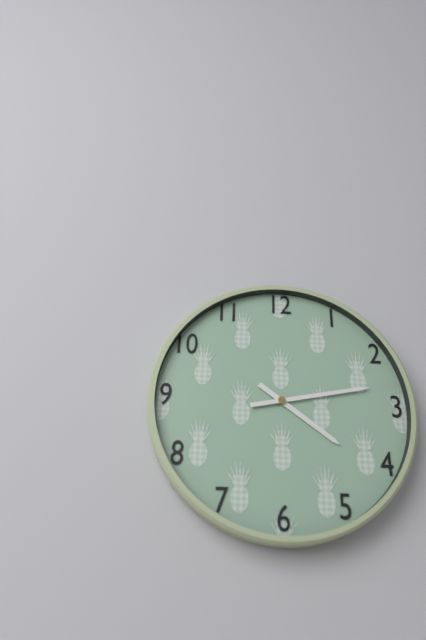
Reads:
h=4 m=13
